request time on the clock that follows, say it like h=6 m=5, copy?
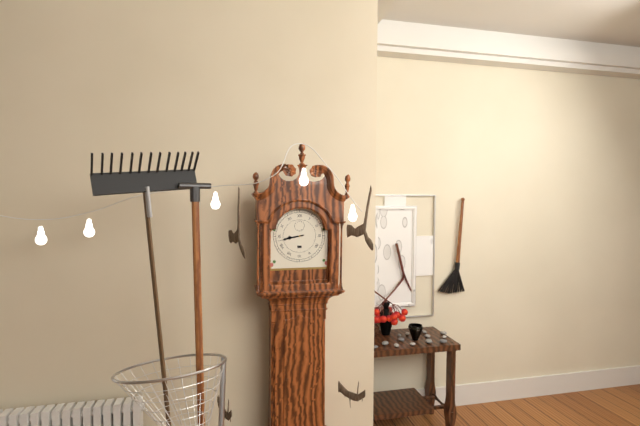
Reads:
h=8 m=43
